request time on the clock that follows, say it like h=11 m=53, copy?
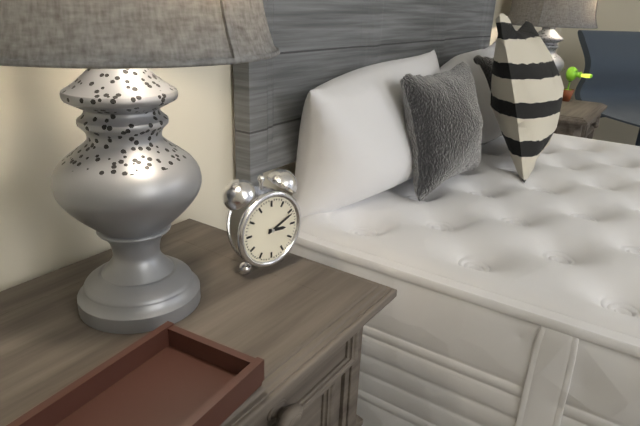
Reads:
h=3 m=11
